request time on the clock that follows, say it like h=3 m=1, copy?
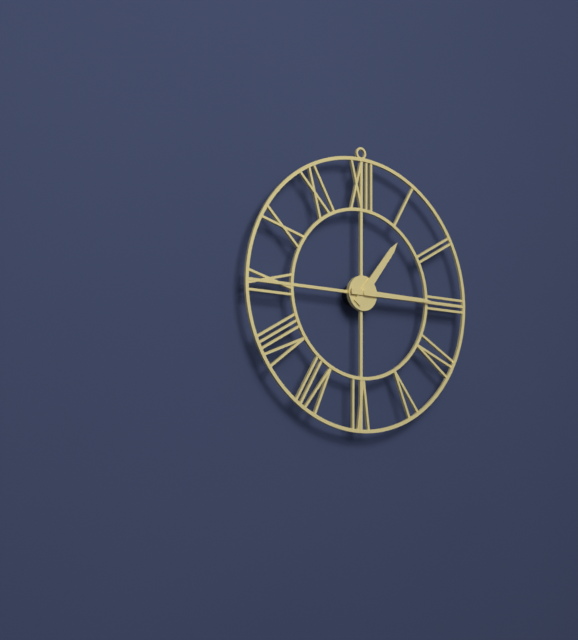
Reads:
h=1 m=15
